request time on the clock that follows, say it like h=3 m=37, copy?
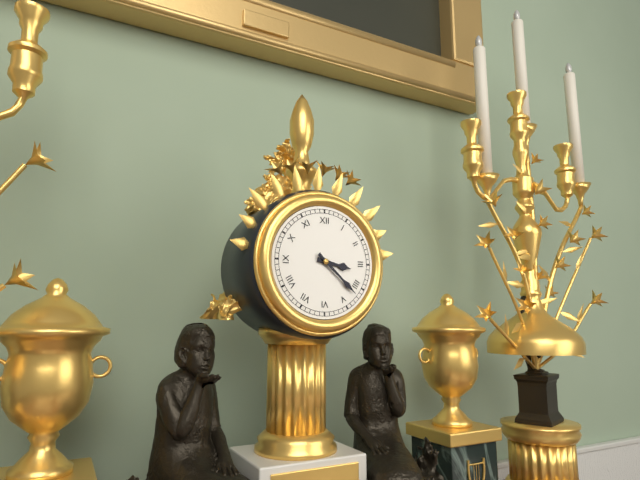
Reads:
h=3 m=22
